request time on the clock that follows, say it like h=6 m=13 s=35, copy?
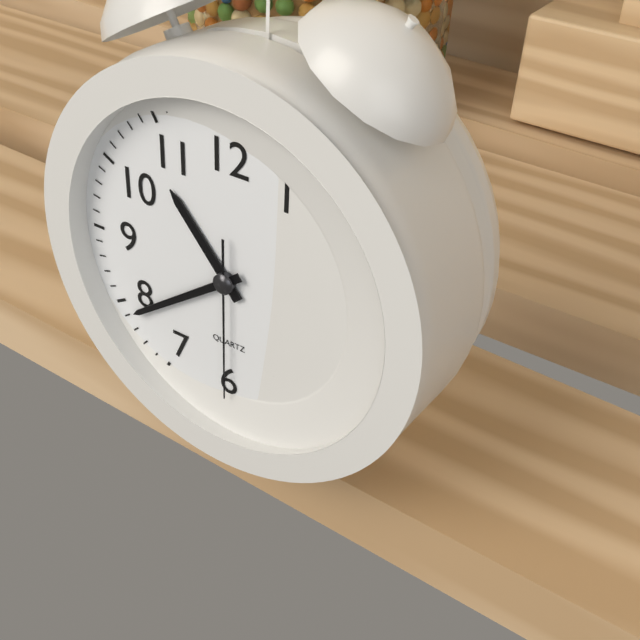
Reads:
h=10 m=39 s=30
